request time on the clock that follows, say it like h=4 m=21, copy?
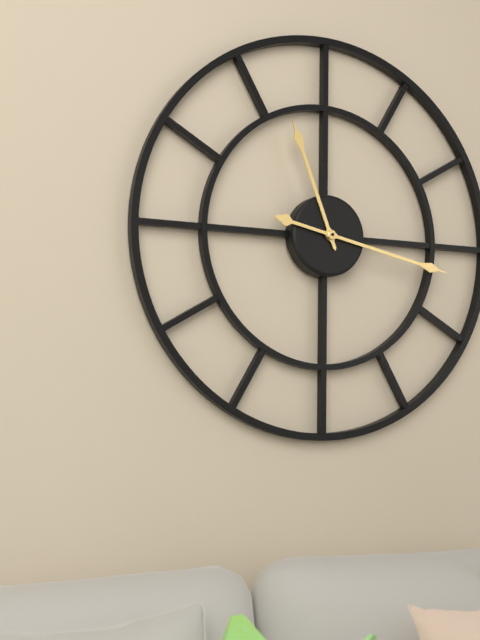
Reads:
h=11 m=17
